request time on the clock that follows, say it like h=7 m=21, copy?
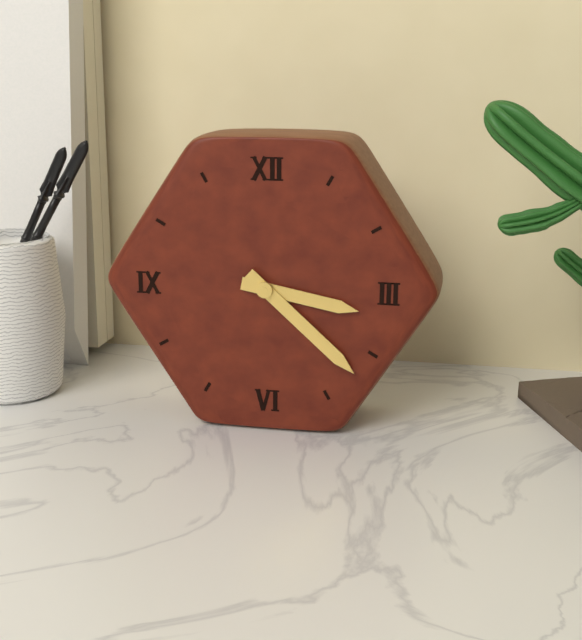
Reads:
h=3 m=22
